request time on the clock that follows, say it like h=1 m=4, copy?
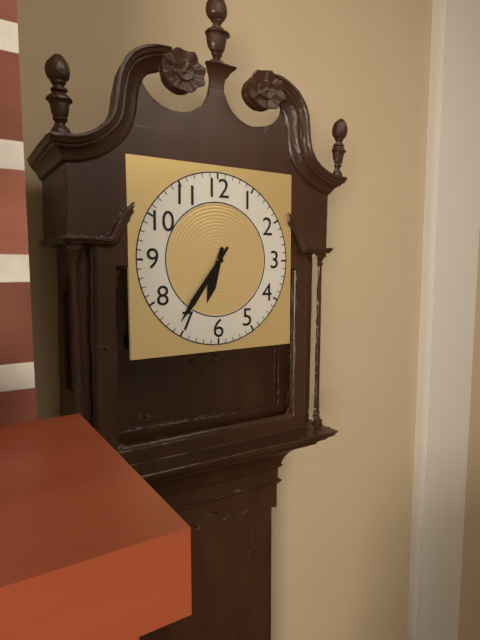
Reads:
h=6 m=36
